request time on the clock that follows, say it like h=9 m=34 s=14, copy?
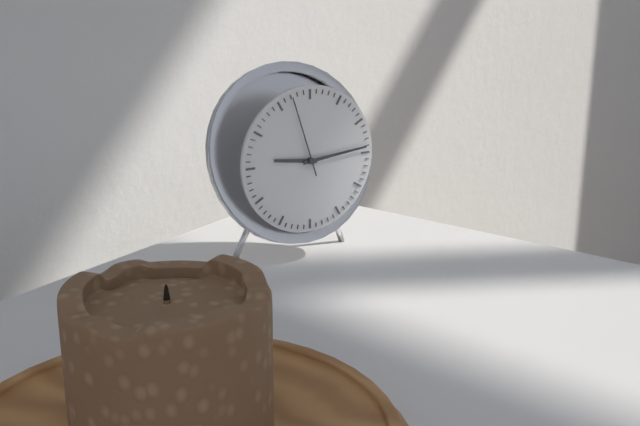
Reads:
h=9 m=14 s=57
